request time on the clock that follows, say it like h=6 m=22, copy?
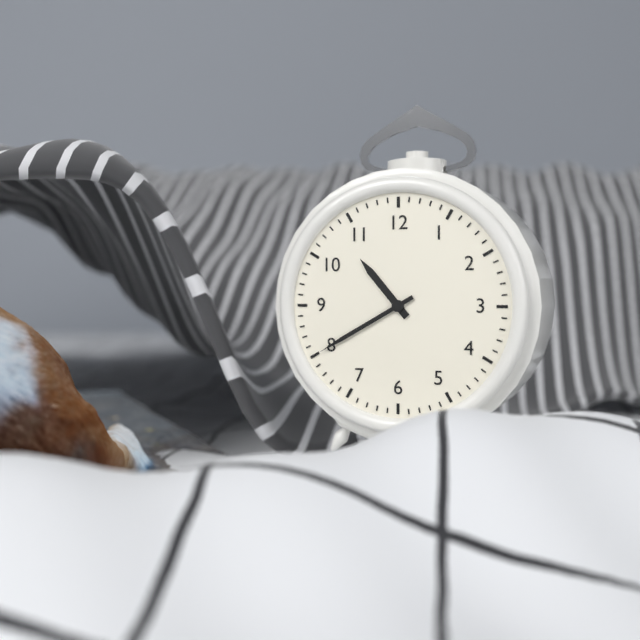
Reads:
h=10 m=40
